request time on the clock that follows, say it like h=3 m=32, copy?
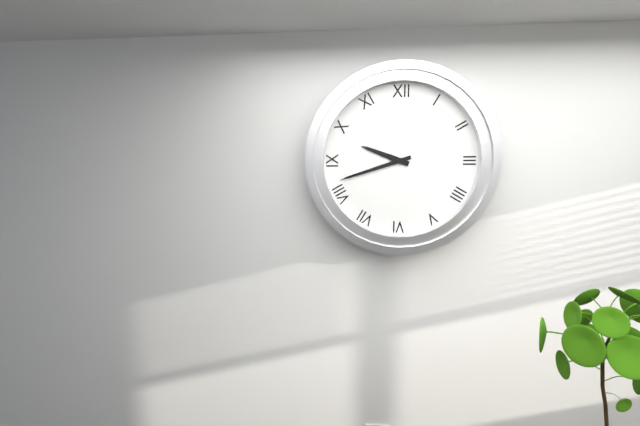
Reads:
h=9 m=42
